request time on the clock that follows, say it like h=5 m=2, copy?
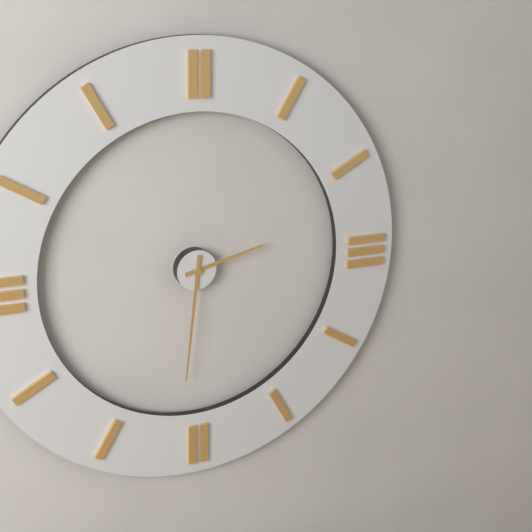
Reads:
h=2 m=31
